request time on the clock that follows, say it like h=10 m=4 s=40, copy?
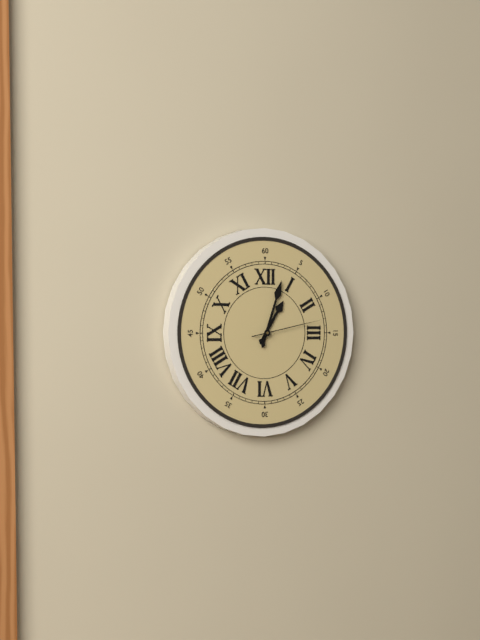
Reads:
h=1 m=3 s=13
